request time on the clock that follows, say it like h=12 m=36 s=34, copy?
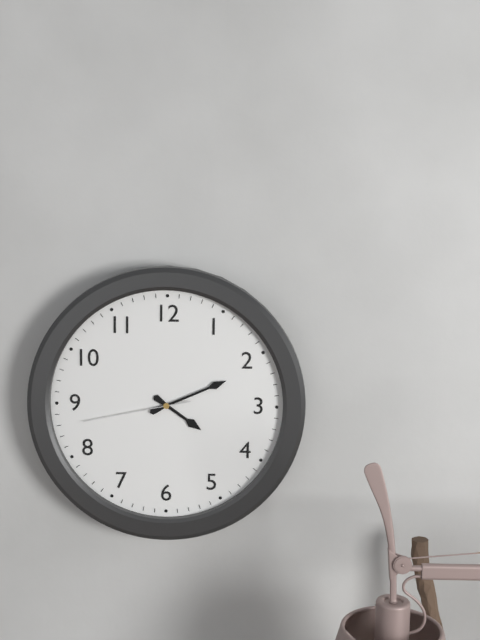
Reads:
h=4 m=11 s=43
